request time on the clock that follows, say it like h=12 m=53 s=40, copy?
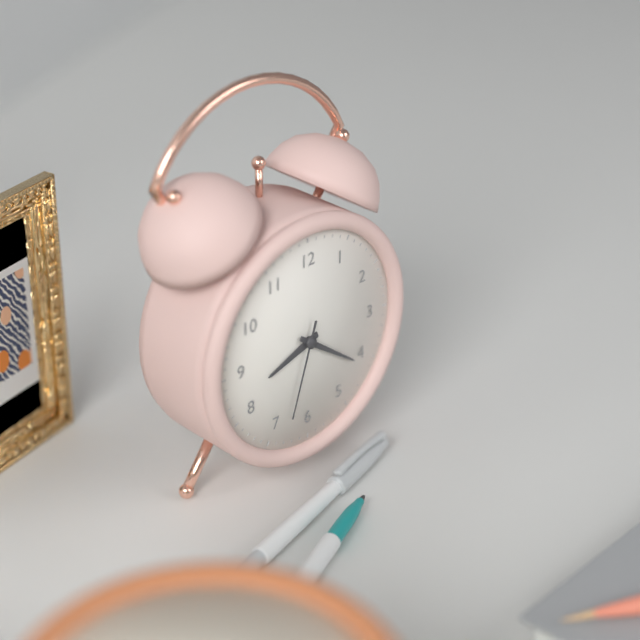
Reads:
h=8 m=21 s=33
